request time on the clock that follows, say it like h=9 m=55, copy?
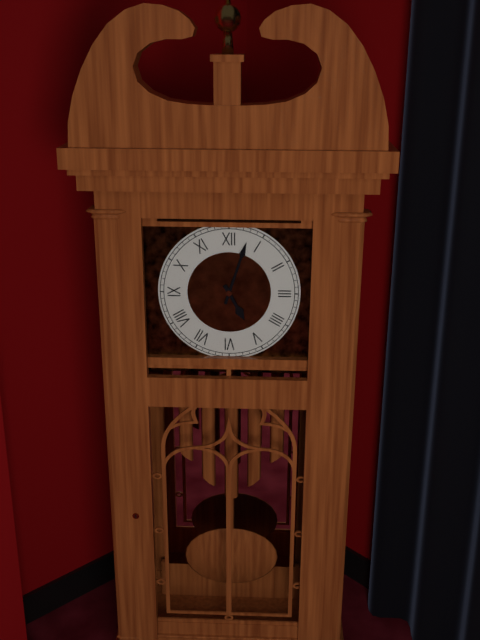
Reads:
h=5 m=3
